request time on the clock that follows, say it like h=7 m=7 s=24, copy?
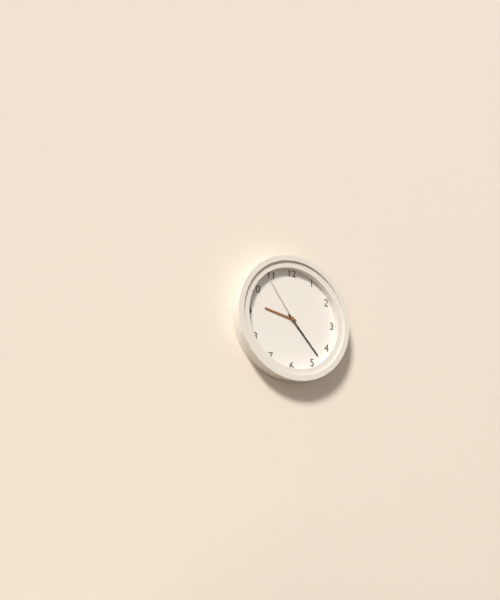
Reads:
h=9 m=23 s=54
